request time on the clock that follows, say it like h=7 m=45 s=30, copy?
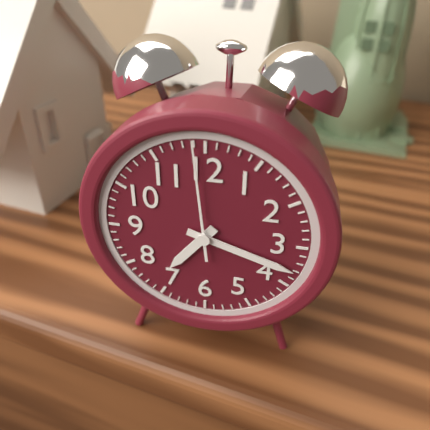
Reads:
h=7 m=18 s=59
